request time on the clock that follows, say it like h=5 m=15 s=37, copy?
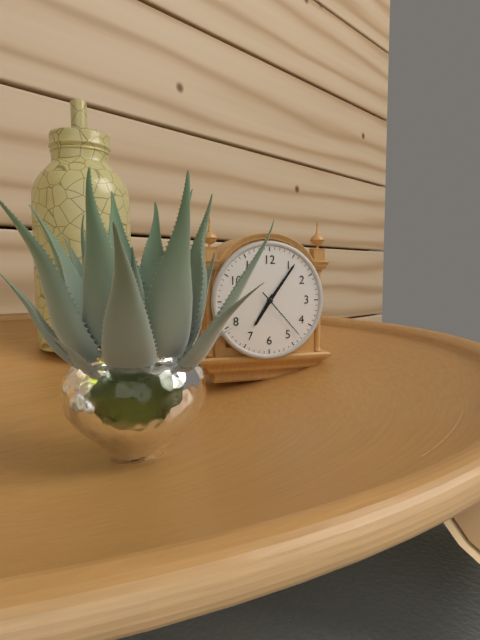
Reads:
h=7 m=6 s=23
